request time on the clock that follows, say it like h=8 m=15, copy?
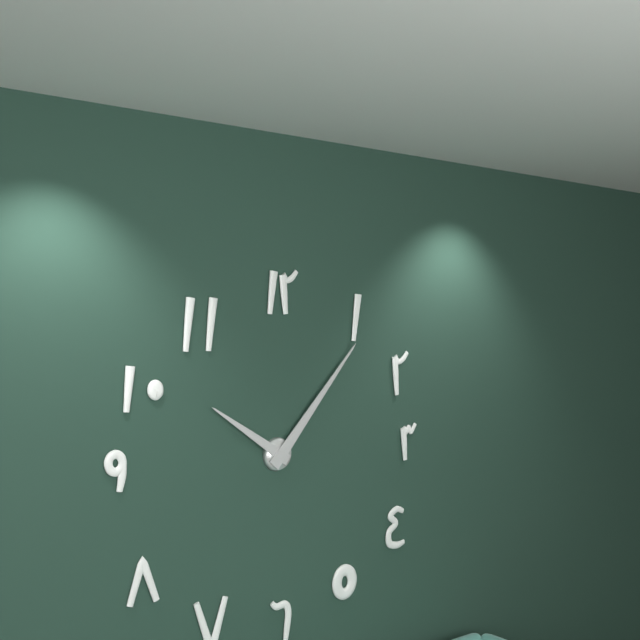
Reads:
h=10 m=7
